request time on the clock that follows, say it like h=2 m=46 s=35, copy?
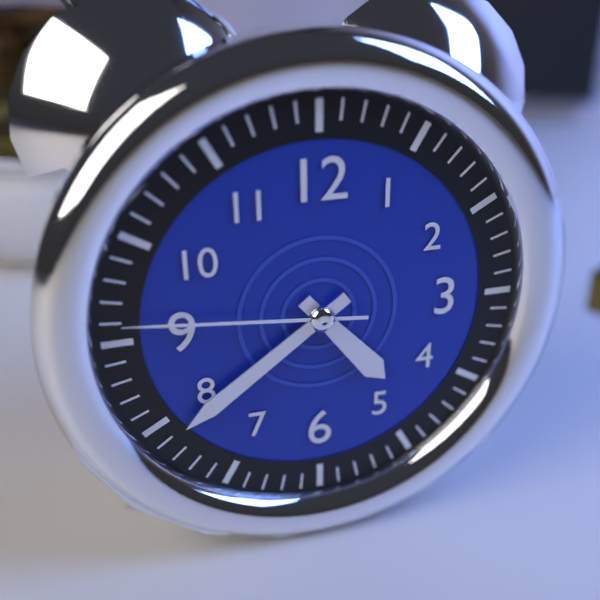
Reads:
h=4 m=39 s=46
